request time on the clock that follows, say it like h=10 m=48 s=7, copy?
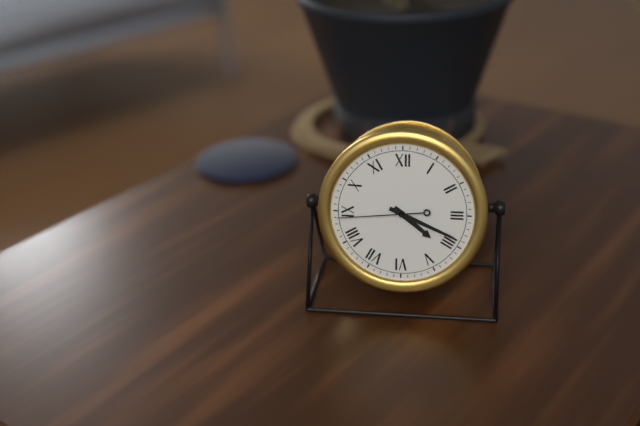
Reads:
h=4 m=19 s=44
